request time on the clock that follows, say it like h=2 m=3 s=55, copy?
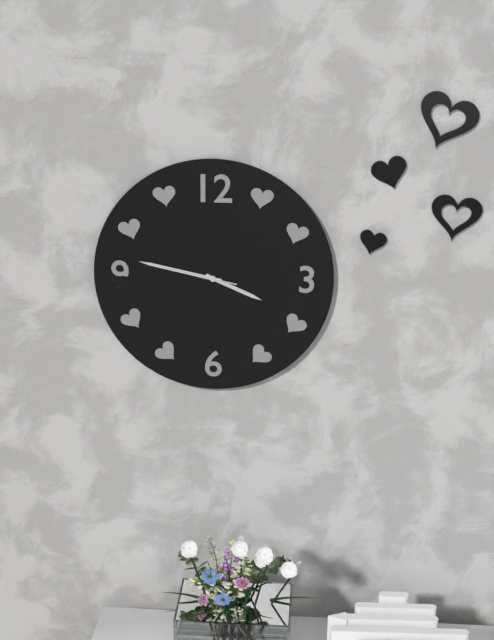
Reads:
h=3 m=47 s=47
